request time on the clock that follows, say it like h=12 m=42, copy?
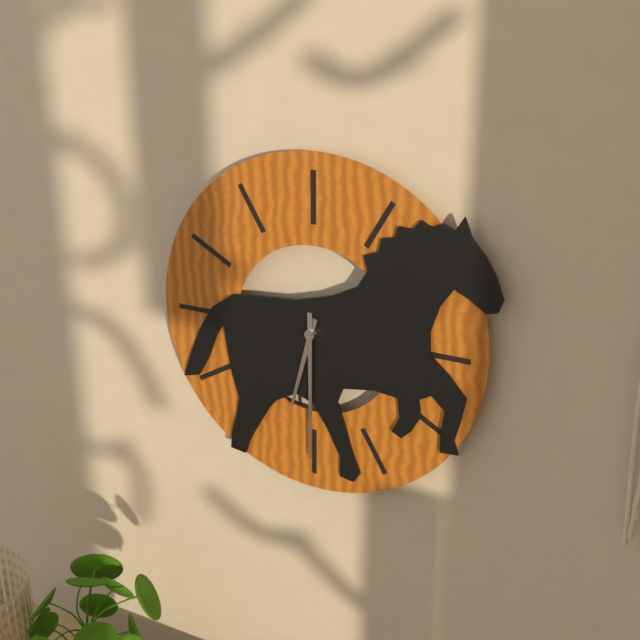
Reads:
h=6 m=30
